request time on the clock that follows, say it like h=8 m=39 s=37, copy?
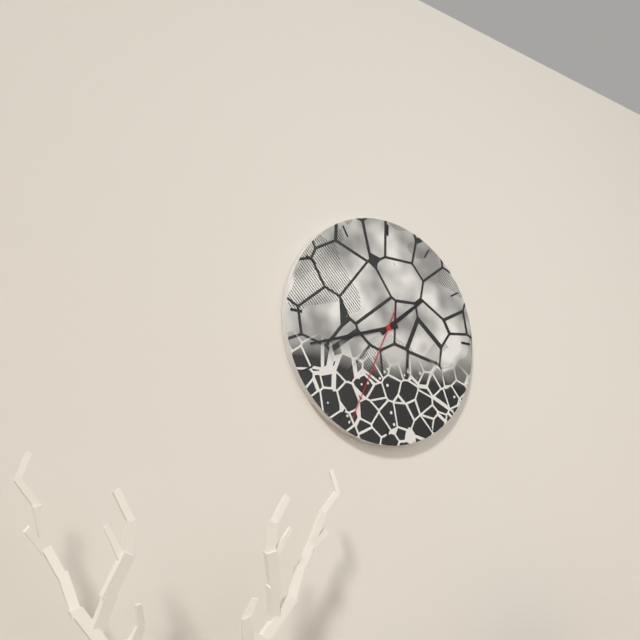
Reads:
h=1 m=42 s=34
